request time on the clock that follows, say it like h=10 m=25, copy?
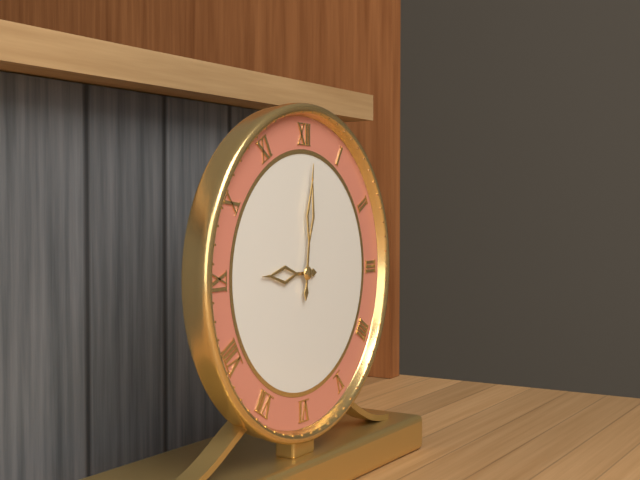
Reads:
h=9 m=1
